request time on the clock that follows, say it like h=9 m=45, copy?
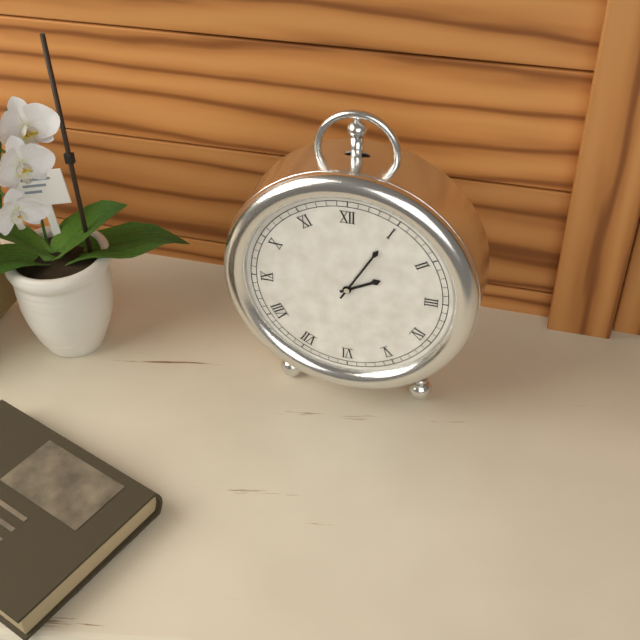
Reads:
h=2 m=5
